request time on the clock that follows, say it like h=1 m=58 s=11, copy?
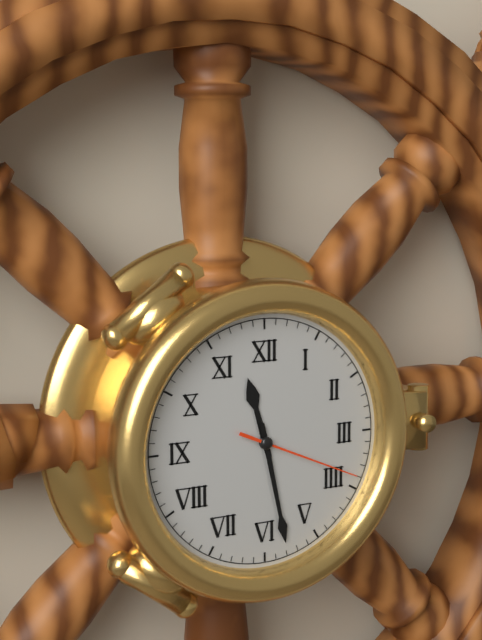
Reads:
h=11 m=28 s=19
